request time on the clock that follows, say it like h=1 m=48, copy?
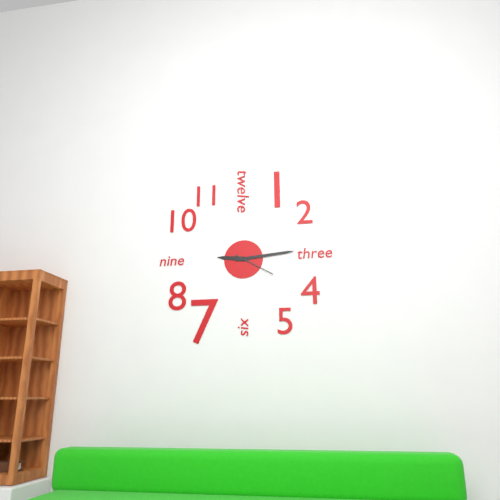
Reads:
h=9 m=14
